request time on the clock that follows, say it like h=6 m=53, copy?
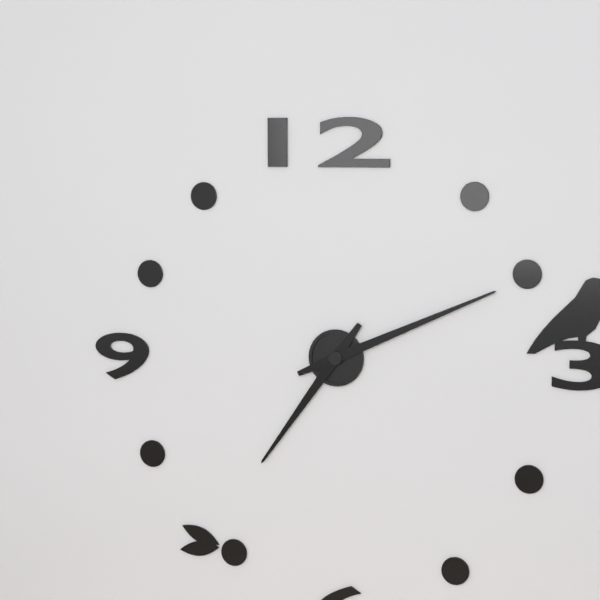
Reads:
h=7 m=11
